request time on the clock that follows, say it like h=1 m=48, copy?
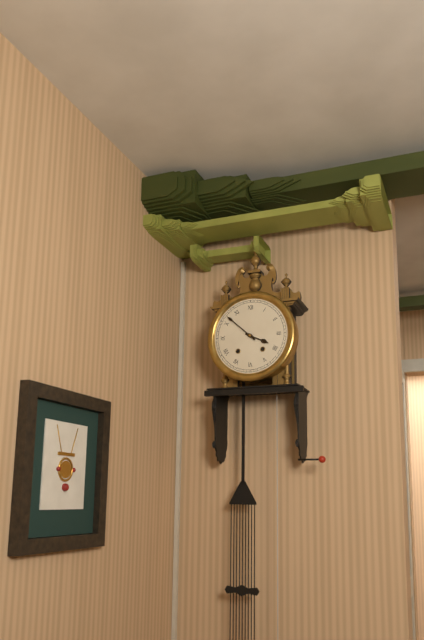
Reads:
h=3 m=52
